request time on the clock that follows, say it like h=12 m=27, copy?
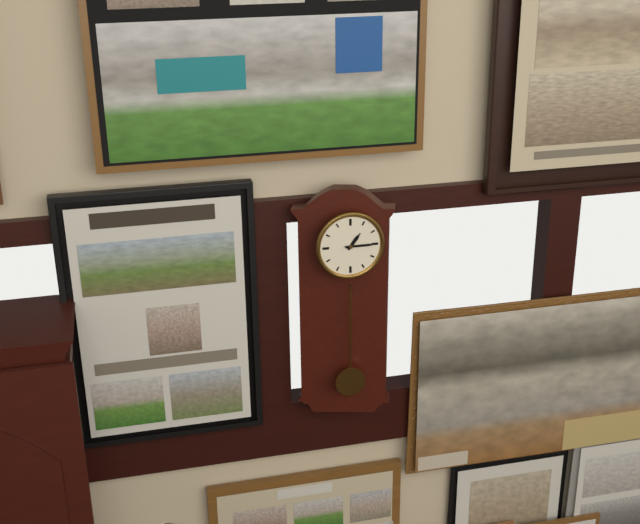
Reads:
h=1 m=15
